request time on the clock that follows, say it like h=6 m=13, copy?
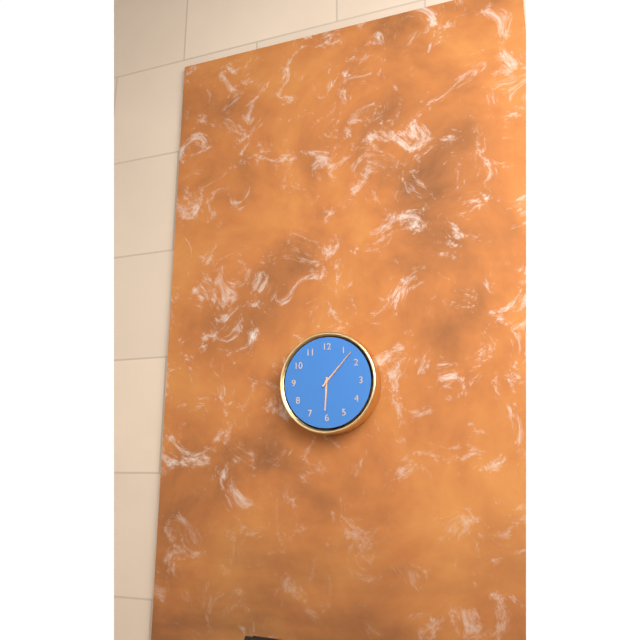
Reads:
h=6 m=7
